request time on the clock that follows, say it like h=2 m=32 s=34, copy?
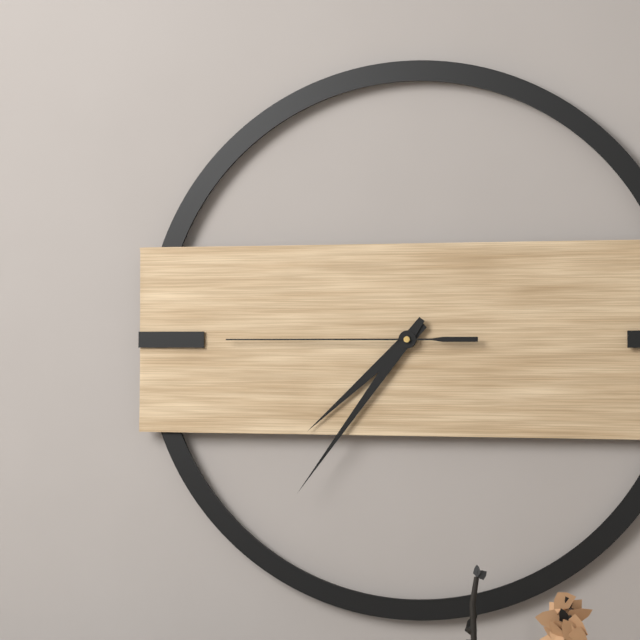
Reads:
h=7 m=36 s=45
